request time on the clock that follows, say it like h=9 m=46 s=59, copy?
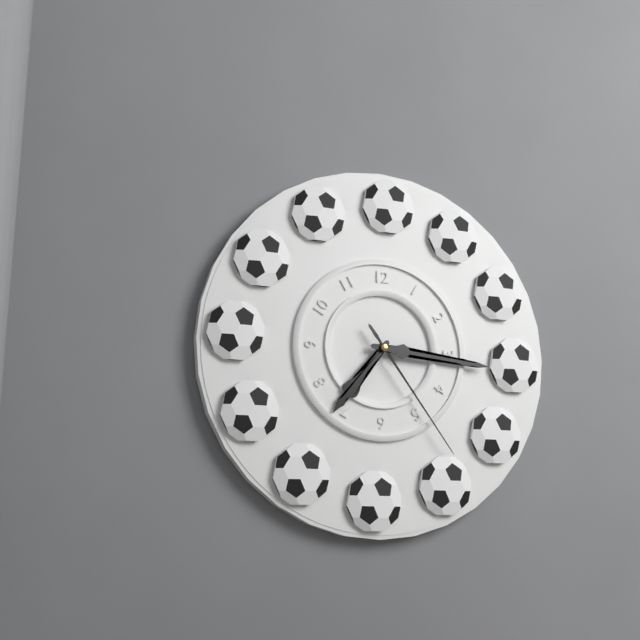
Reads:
h=7 m=16 s=24
